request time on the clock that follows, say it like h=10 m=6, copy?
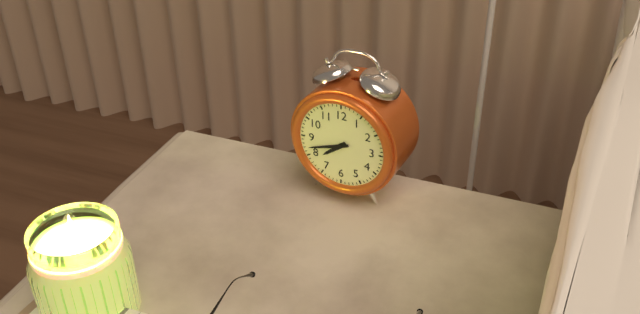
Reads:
h=7 m=42
